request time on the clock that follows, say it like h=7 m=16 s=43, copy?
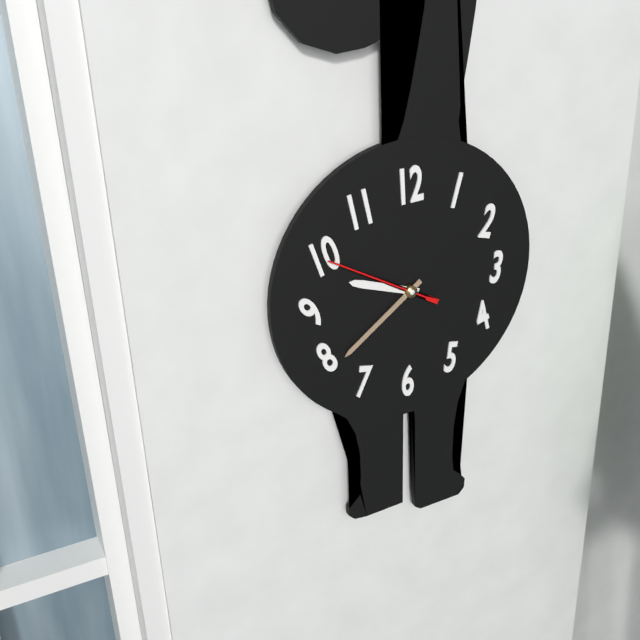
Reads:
h=9 m=39 s=50
